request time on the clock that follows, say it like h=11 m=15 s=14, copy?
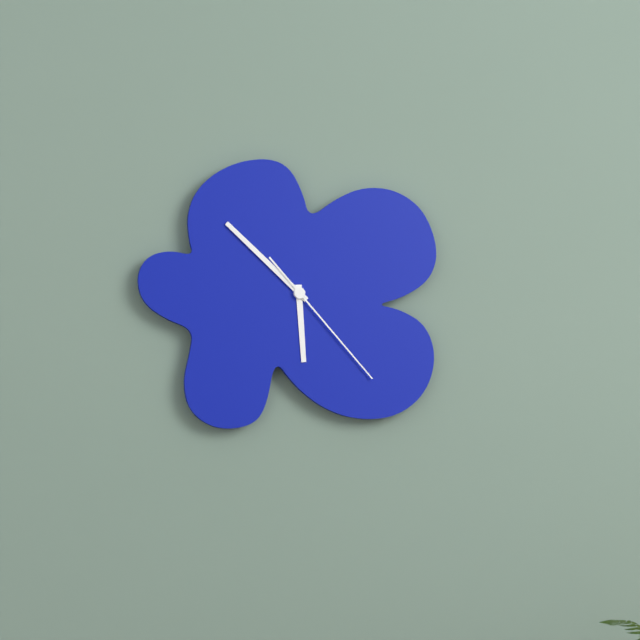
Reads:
h=5 m=52 s=23
